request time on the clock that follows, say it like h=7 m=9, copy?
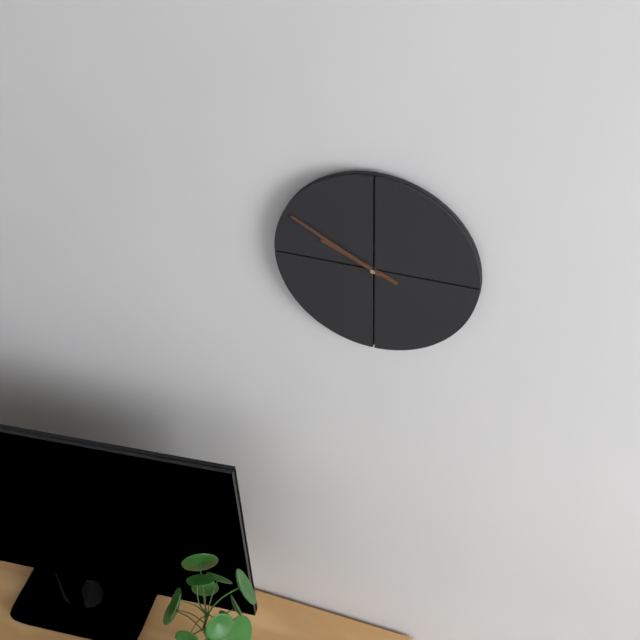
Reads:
h=9 m=50
